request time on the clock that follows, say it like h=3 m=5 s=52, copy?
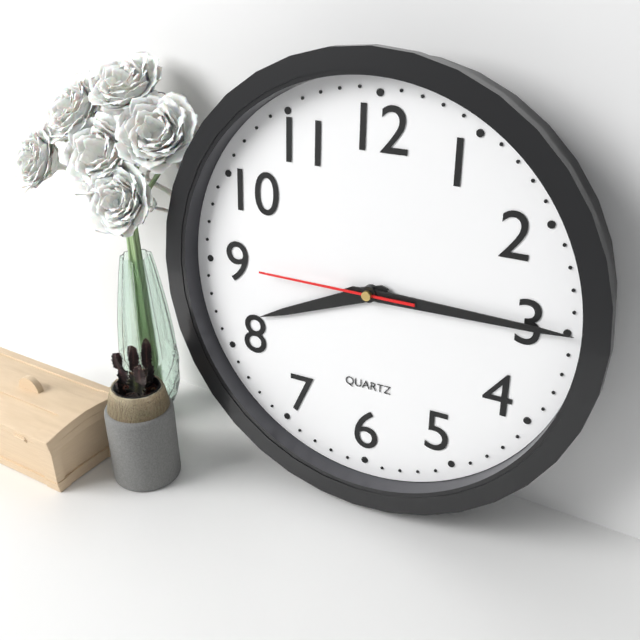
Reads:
h=8 m=15 s=45
